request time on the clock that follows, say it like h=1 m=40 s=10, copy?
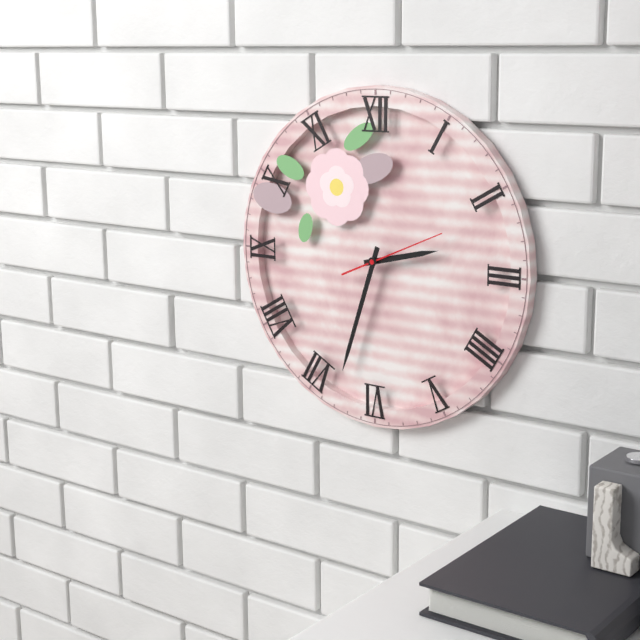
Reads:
h=2 m=33 s=11
